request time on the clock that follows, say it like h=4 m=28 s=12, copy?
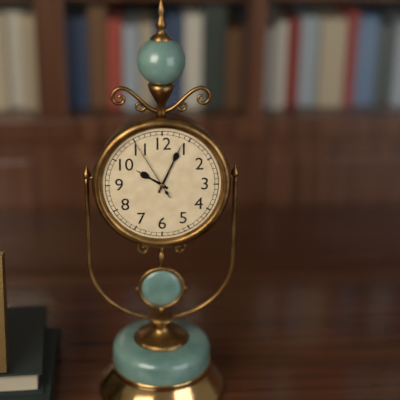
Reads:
h=10 m=4 s=55
